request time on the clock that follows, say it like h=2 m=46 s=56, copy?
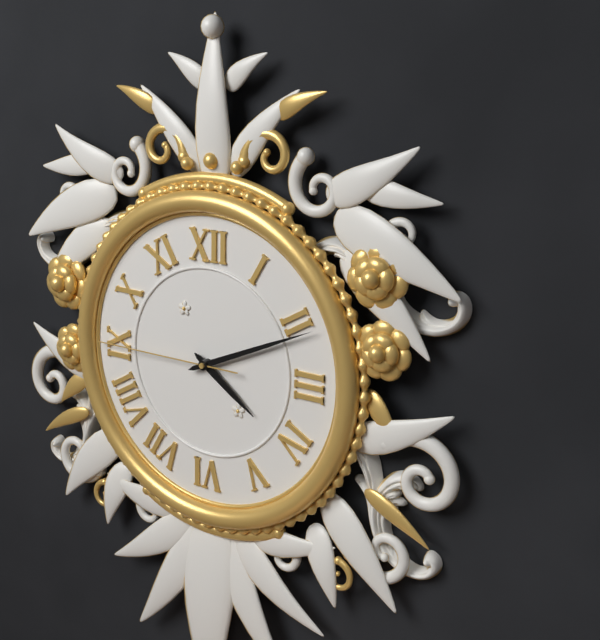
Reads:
h=4 m=11 s=45
